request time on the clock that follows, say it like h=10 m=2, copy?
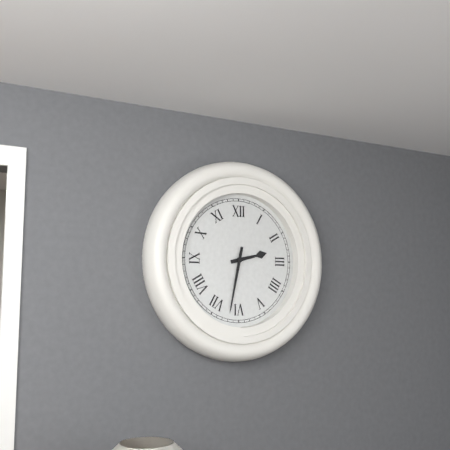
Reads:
h=2 m=32
